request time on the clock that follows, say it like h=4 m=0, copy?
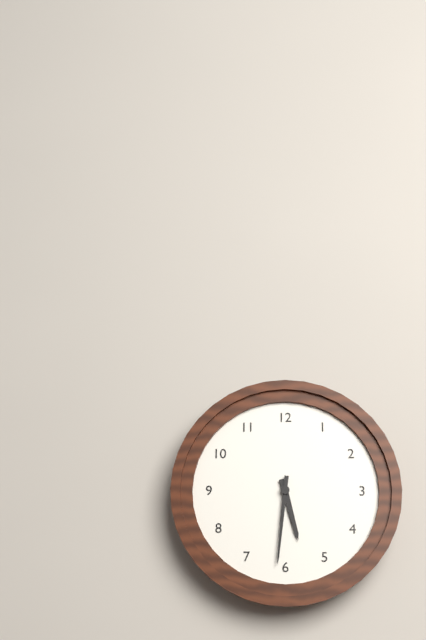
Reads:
h=5 m=31
